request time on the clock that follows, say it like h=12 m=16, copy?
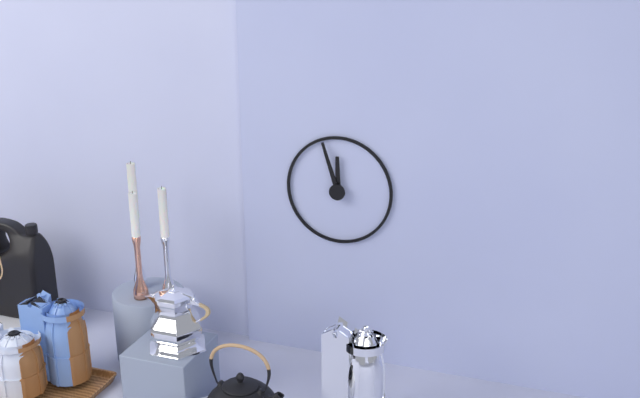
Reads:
h=11 m=57
